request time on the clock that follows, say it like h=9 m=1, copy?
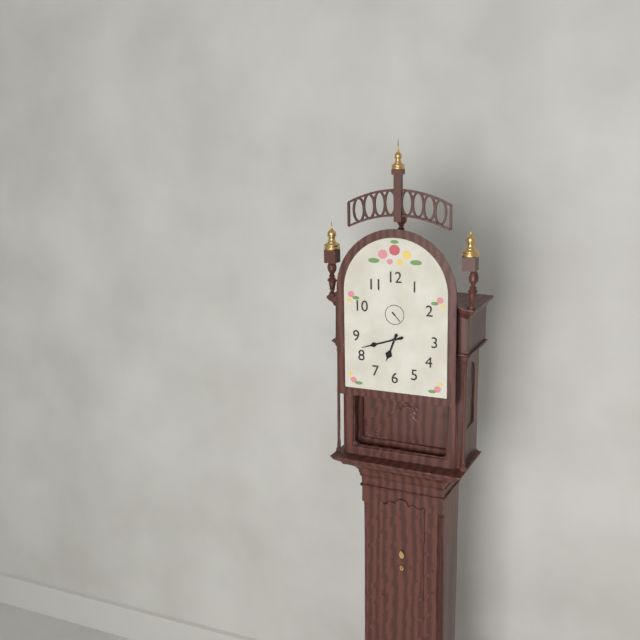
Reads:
h=6 m=42
